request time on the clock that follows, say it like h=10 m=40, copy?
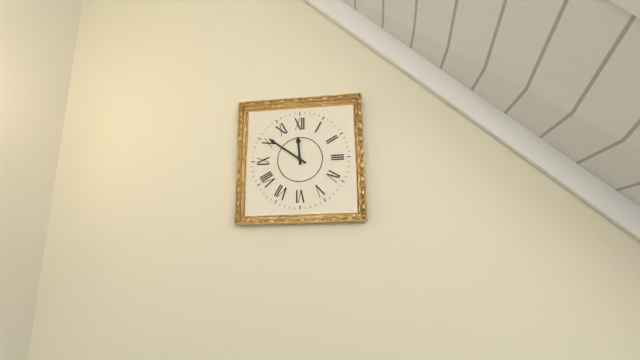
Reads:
h=11 m=51
